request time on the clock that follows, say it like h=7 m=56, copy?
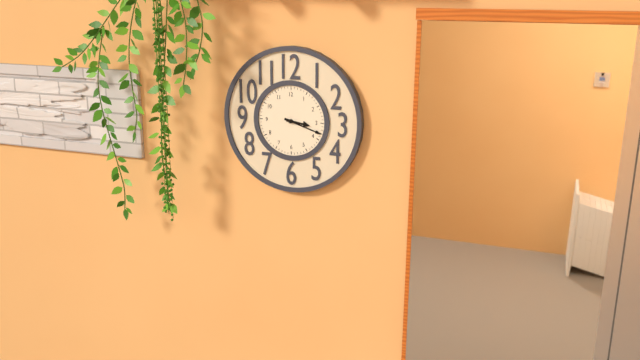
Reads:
h=3 m=18
